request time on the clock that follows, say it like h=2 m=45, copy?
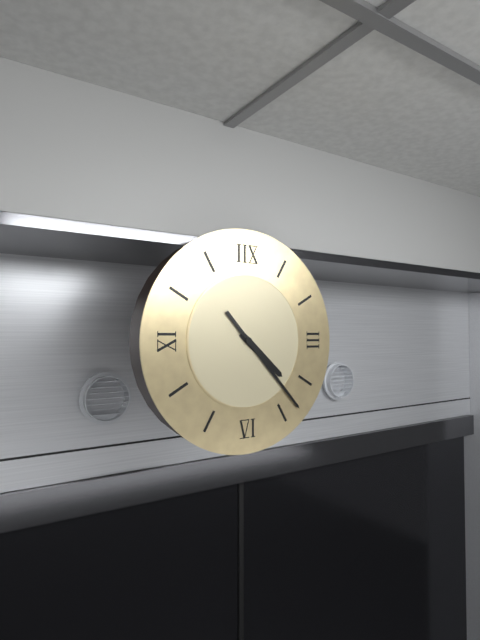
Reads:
h=4 m=23
